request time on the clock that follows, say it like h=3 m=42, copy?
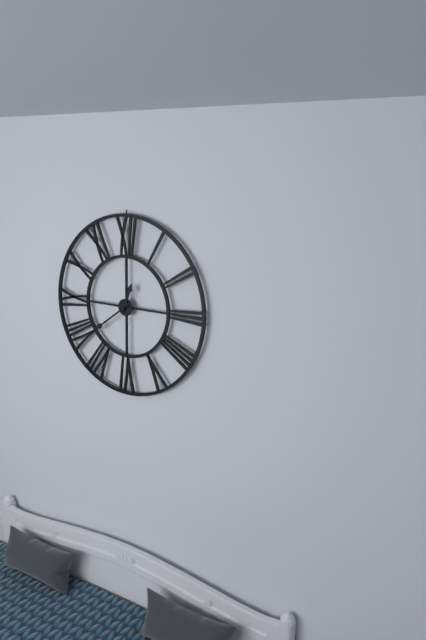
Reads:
h=12 m=39
